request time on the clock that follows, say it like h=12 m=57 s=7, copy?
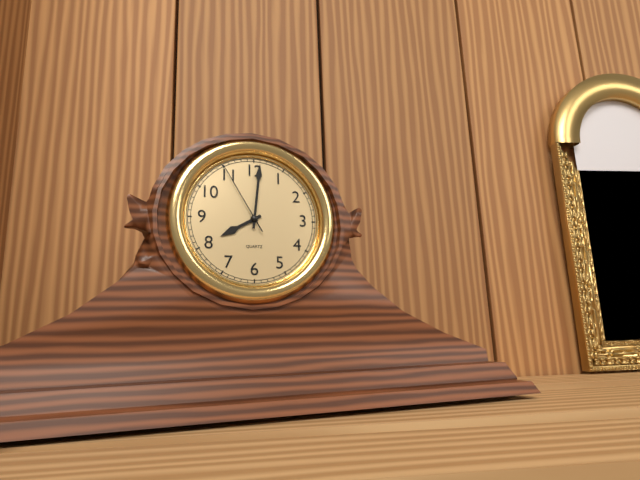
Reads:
h=8 m=1 s=55
